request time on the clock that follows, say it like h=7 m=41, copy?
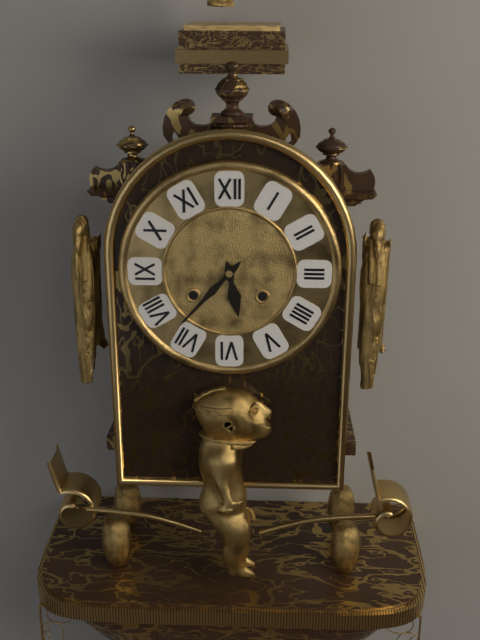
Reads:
h=5 m=37
